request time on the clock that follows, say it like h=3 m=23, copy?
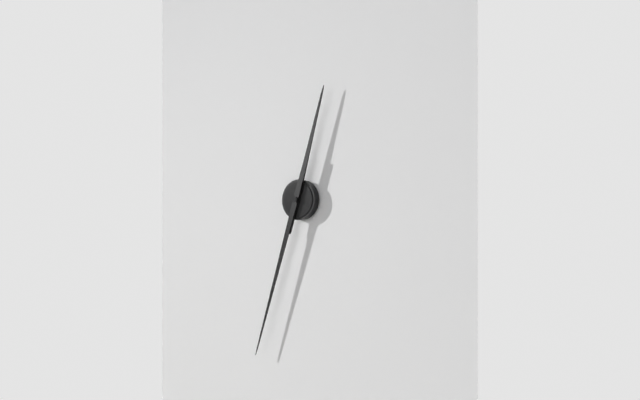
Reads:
h=12 m=33
